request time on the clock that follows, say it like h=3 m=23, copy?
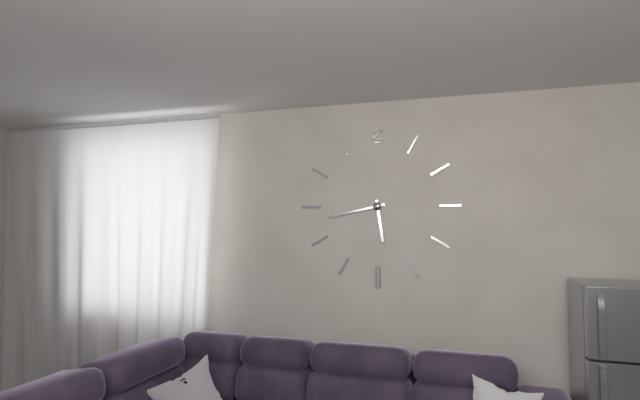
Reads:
h=5 m=43
